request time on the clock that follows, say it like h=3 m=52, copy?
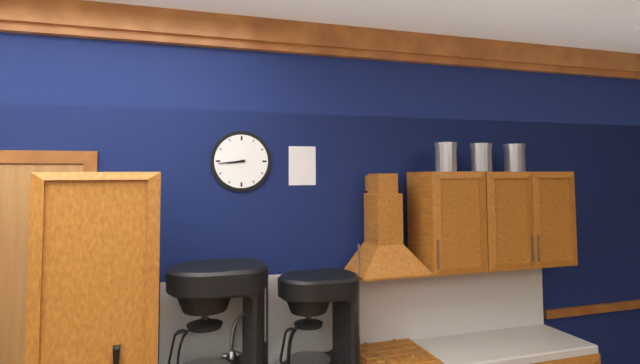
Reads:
h=8 m=44
